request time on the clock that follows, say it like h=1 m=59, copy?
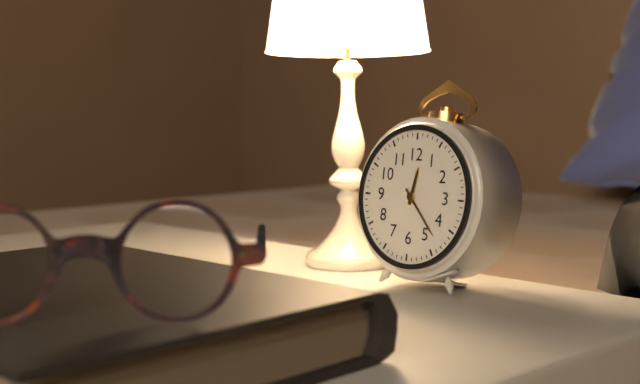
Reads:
h=12 m=23
